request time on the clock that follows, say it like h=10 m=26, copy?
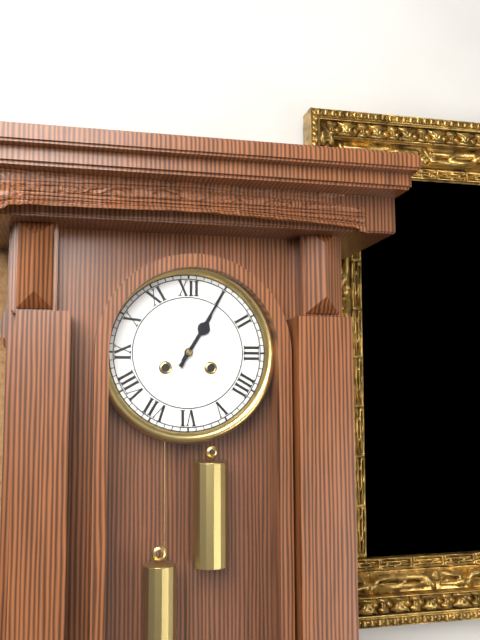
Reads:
h=1 m=5
